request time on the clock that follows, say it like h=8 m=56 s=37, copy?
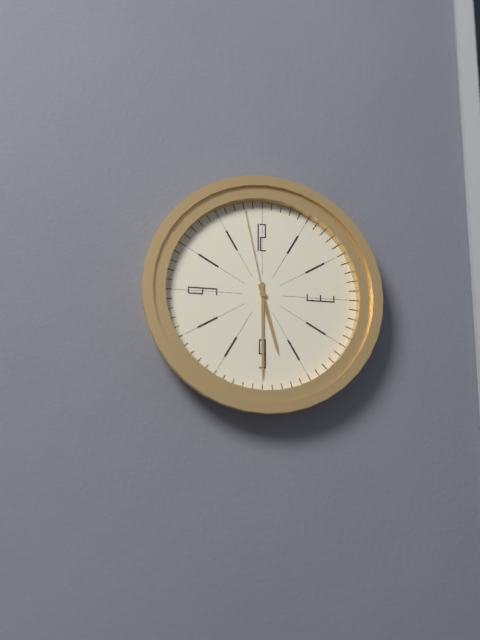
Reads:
h=5 m=30 s=58
